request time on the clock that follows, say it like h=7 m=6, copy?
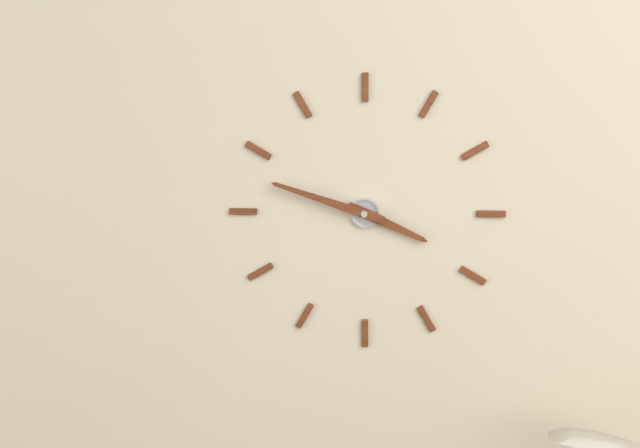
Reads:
h=3 m=48
